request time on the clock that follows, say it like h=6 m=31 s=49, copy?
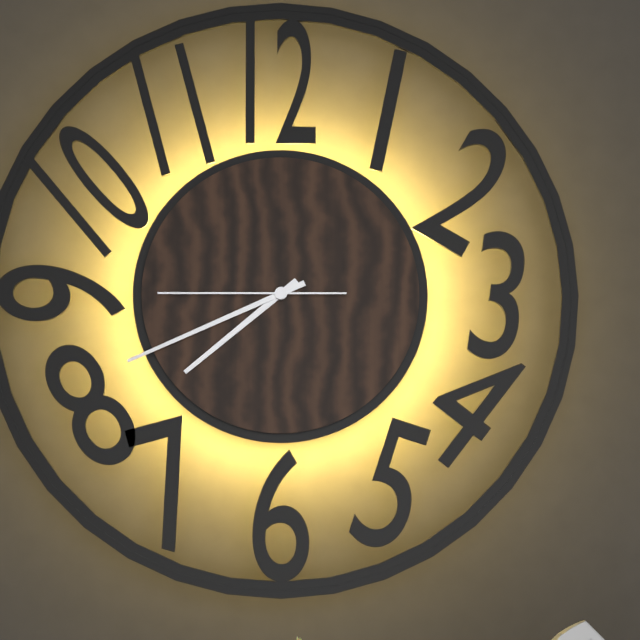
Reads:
h=7 m=41 s=45
